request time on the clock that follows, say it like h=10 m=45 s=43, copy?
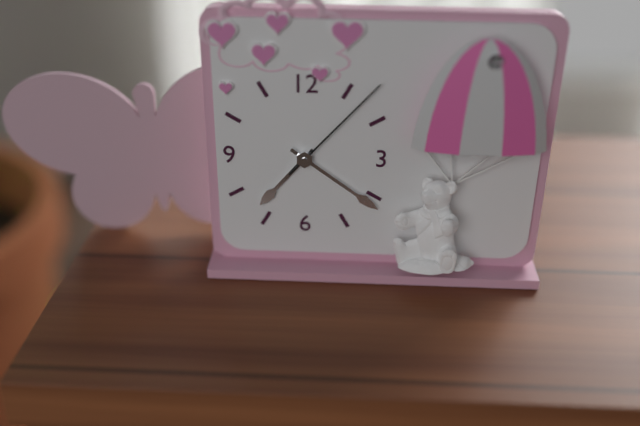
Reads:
h=7 m=21 s=7
